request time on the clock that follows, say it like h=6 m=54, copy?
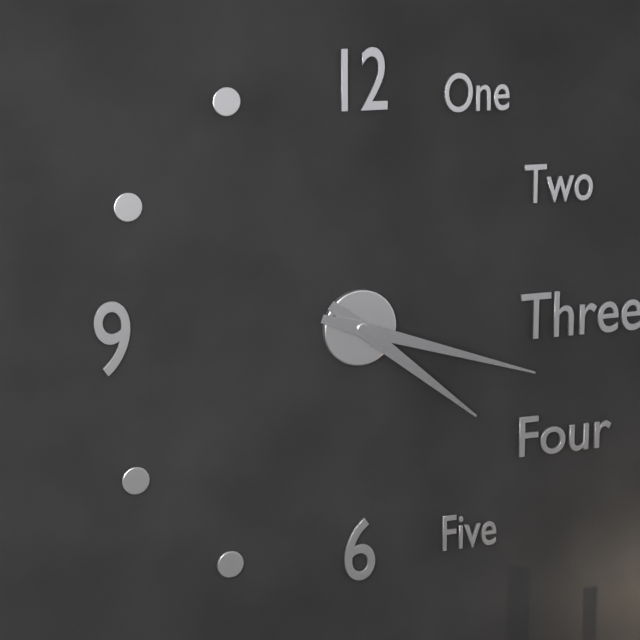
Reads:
h=4 m=18
